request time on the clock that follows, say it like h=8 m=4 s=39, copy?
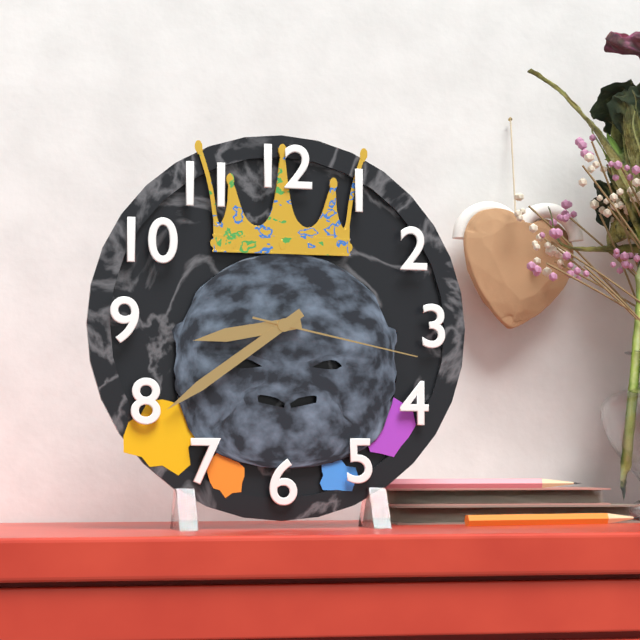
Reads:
h=8 m=39 s=17
